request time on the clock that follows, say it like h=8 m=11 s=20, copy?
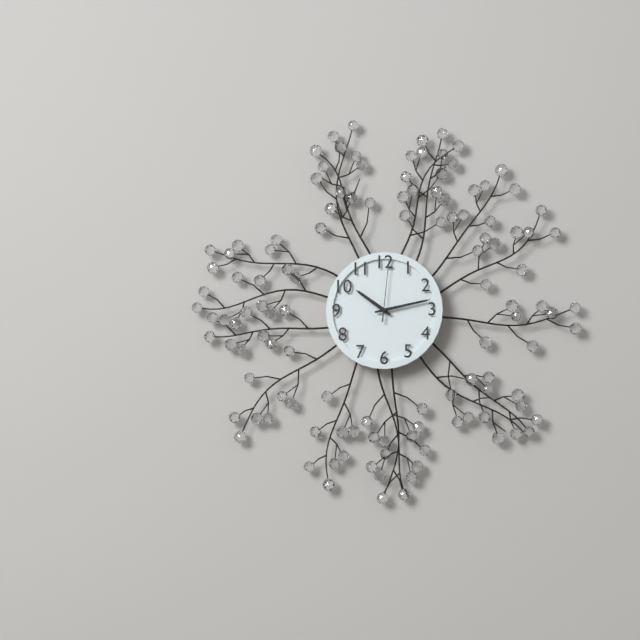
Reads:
h=10 m=13 s=1
